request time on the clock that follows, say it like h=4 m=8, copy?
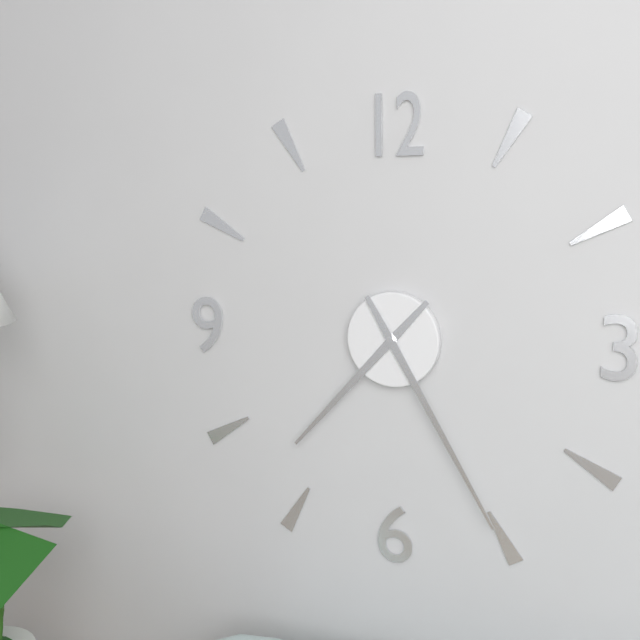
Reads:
h=7 m=25
